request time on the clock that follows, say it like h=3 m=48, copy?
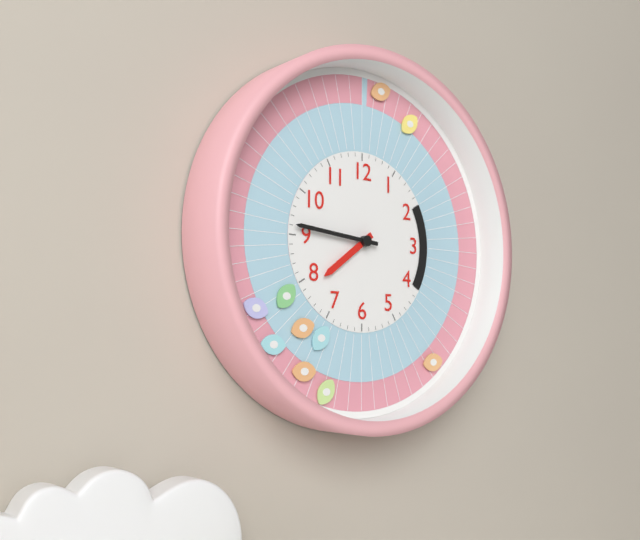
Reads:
h=7 m=46
